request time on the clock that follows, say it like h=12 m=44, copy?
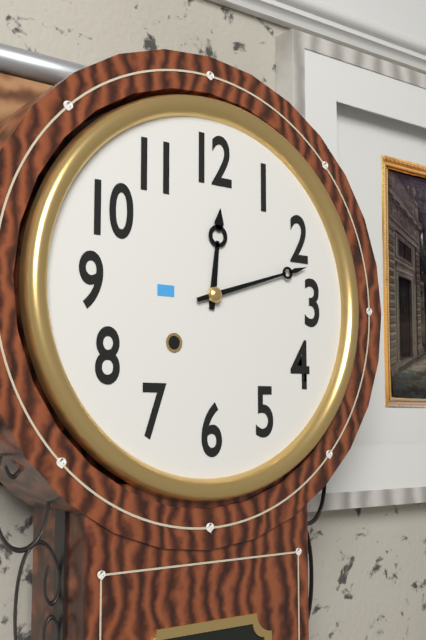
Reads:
h=12 m=12
